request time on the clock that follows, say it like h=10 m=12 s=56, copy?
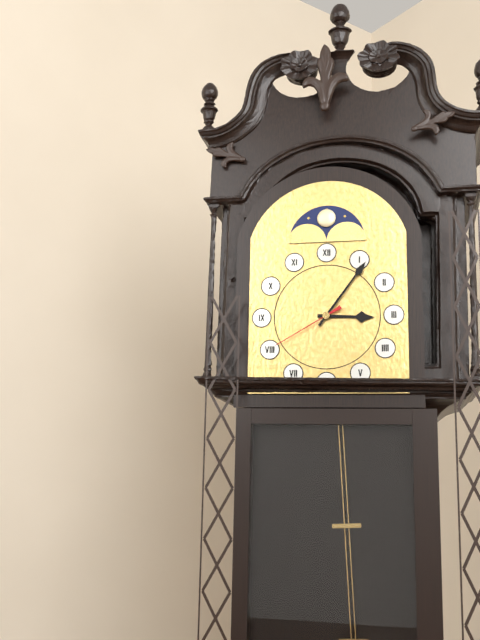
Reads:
h=3 m=6 s=40
